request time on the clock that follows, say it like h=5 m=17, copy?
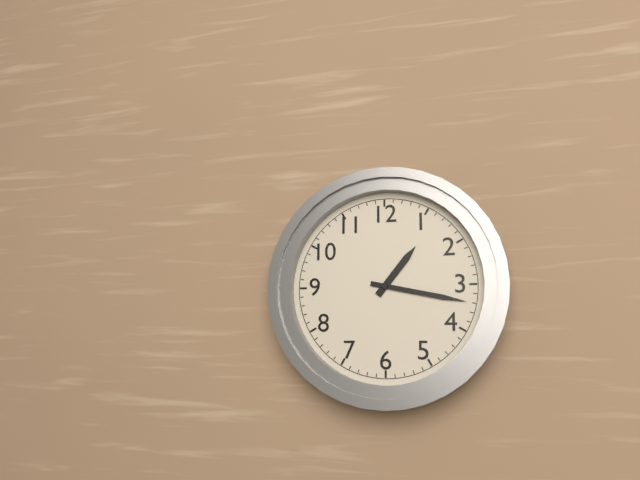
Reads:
h=1 m=17
